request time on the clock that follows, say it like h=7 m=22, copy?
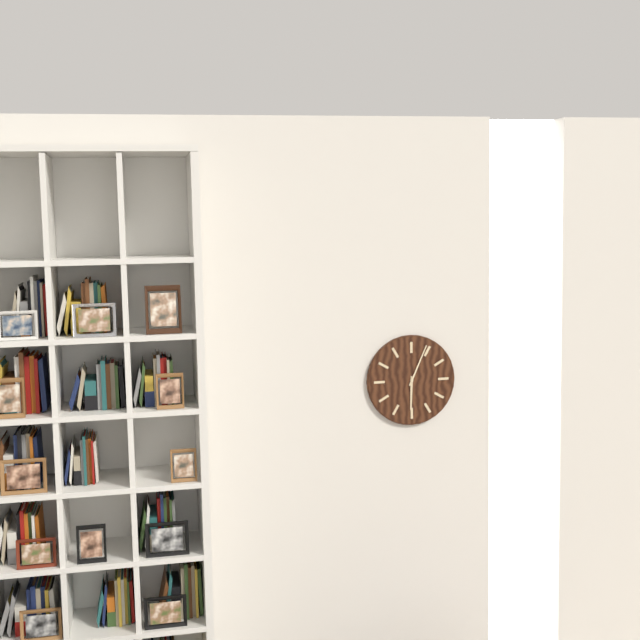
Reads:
h=6 m=4
